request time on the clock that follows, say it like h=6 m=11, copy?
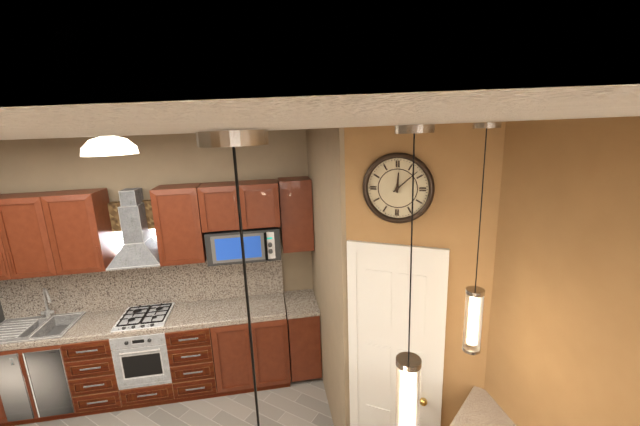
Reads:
h=12 m=8
